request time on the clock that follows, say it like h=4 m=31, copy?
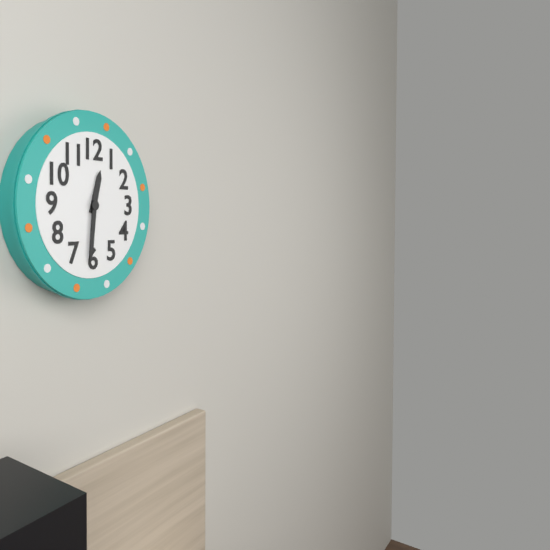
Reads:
h=12 m=31
